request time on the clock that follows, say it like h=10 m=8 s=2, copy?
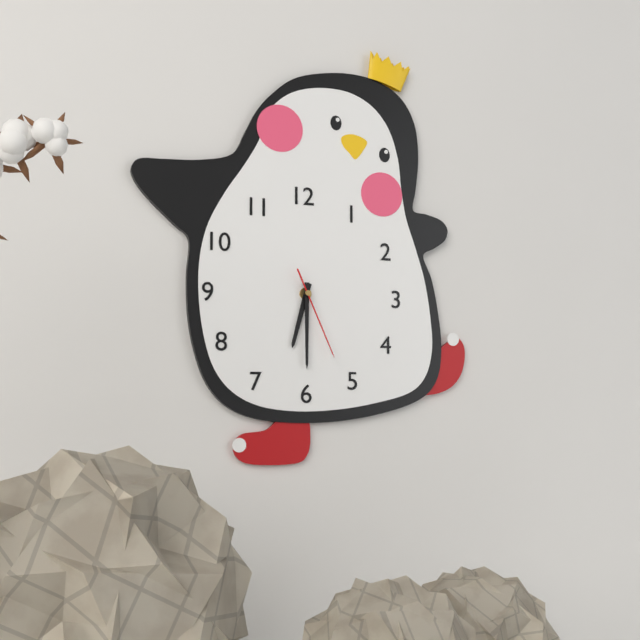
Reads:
h=6 m=30 s=26
